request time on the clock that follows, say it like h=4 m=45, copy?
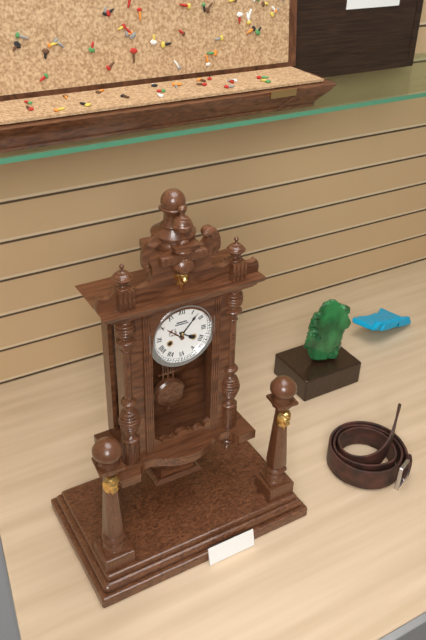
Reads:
h=4 m=7
